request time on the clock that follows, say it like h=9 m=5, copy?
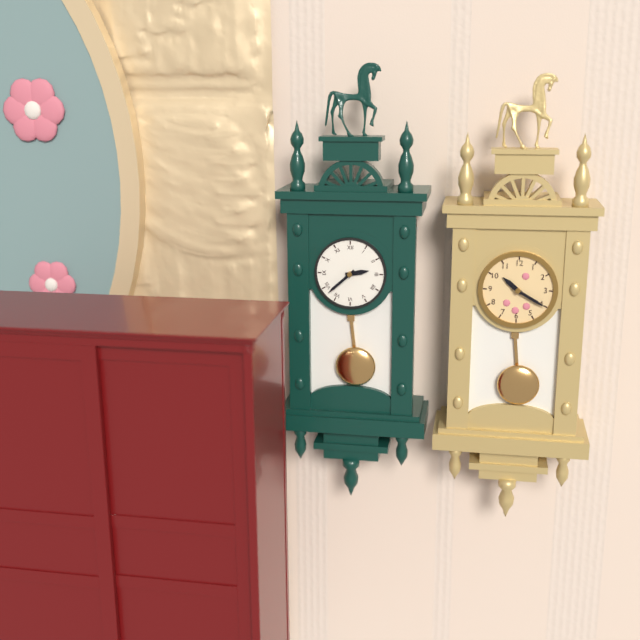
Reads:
h=2 m=38
